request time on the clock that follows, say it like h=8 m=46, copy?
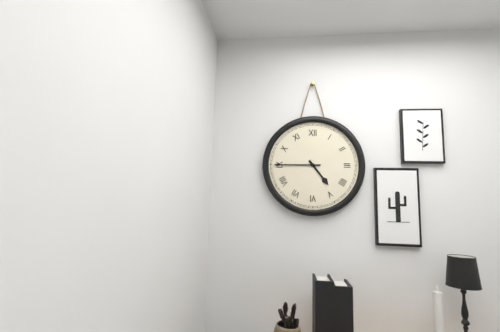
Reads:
h=4 m=45
